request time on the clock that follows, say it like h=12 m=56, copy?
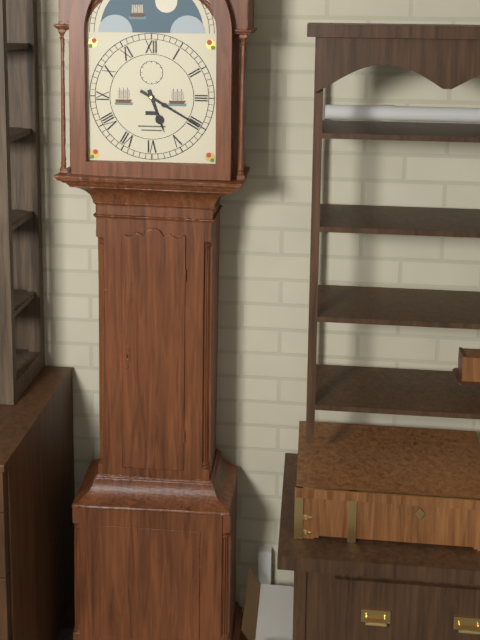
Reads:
h=5 m=20
